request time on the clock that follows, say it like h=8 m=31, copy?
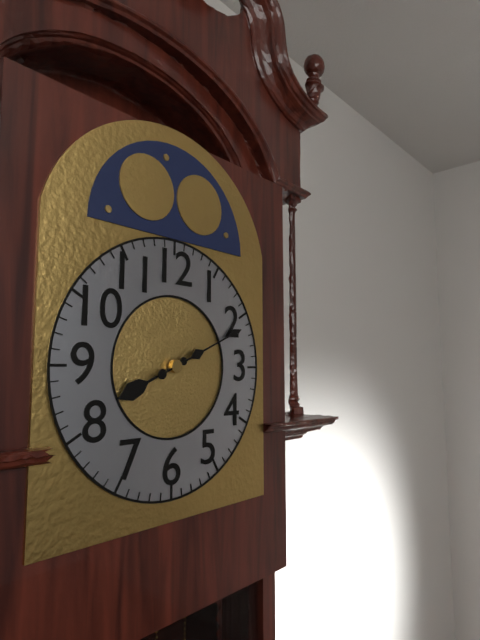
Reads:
h=8 m=11
